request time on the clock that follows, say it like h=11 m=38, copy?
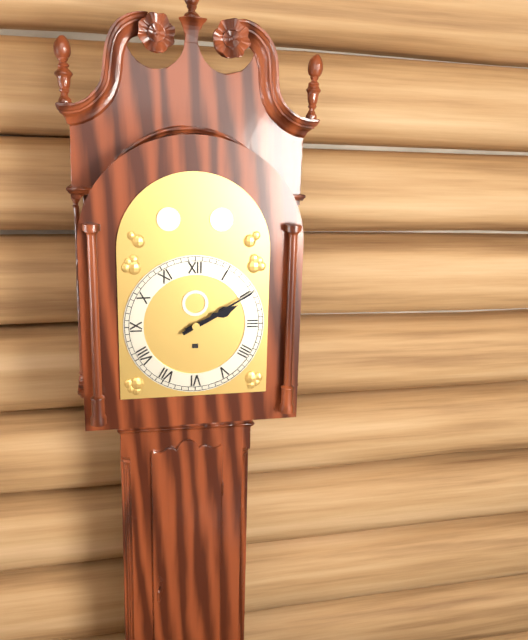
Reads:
h=2 m=10
